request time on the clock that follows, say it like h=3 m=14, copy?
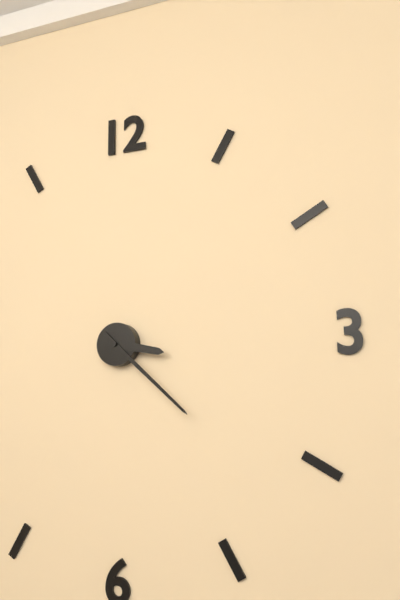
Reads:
h=3 m=22
